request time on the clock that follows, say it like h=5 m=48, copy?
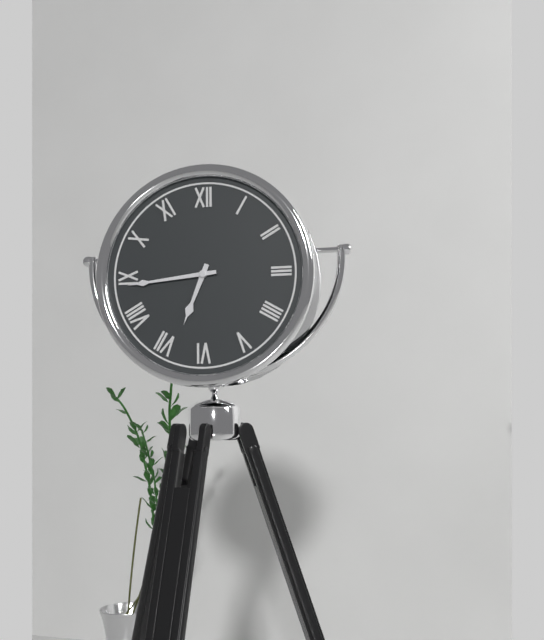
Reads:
h=6 m=44
